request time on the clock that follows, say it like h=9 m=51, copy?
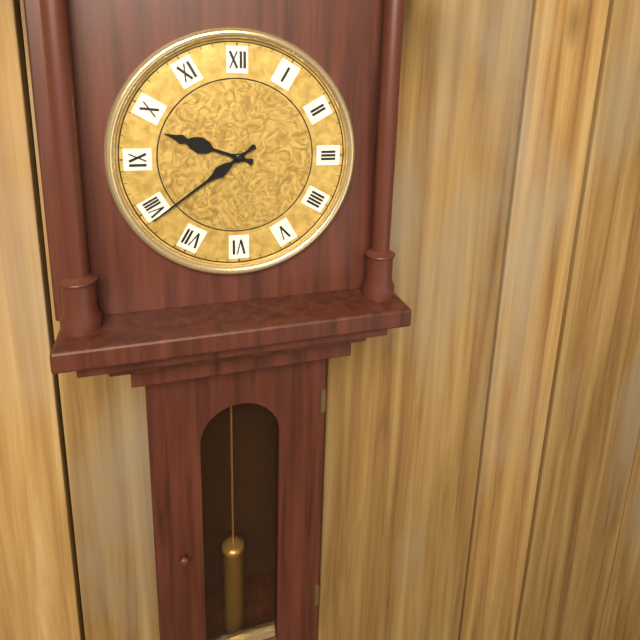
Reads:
h=9 m=39
